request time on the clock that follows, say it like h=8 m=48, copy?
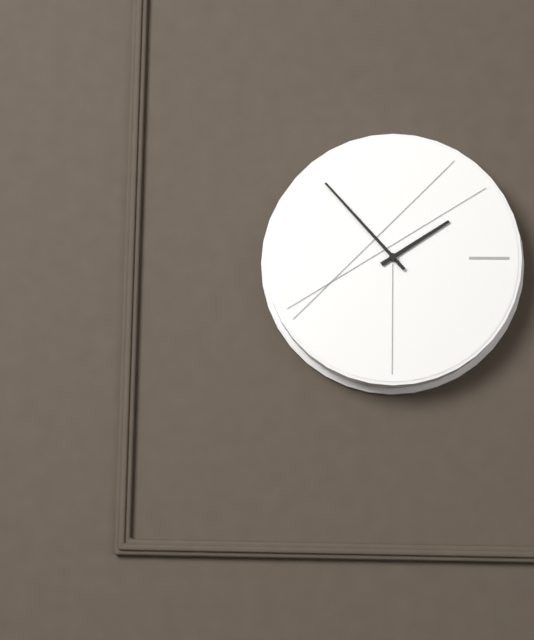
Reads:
h=1 m=53
